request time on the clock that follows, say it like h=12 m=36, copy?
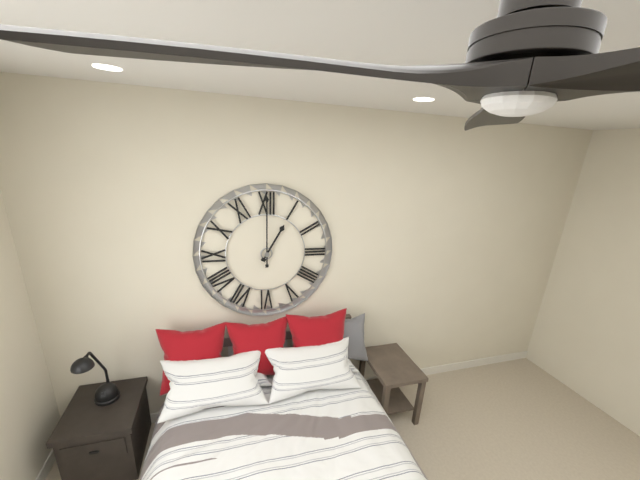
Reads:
h=1 m=0
